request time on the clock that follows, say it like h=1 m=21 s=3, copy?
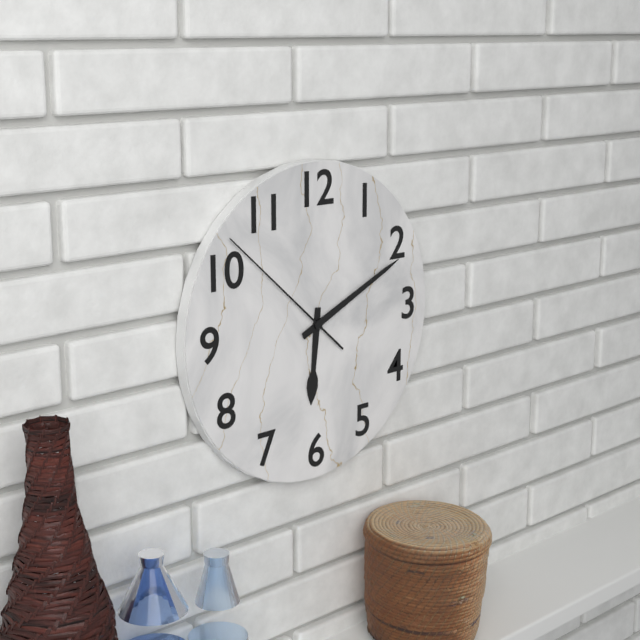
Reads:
h=6 m=11 s=52
